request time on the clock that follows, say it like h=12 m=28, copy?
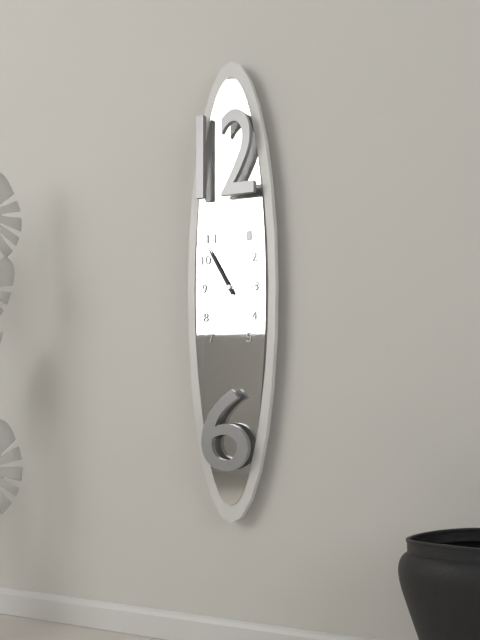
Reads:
h=2 m=55
